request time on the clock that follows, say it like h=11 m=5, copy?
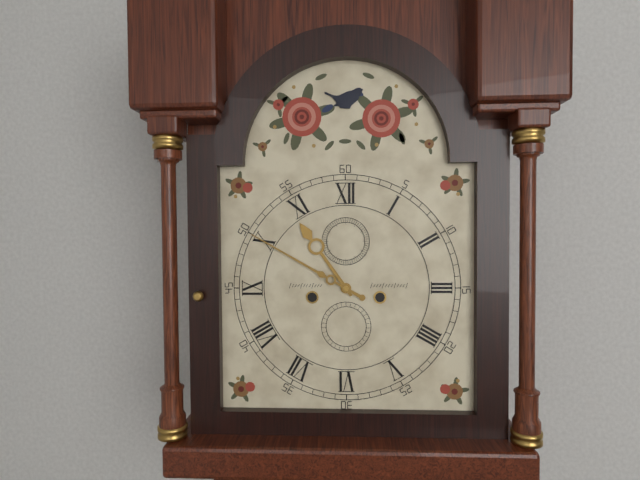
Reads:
h=10 m=50
